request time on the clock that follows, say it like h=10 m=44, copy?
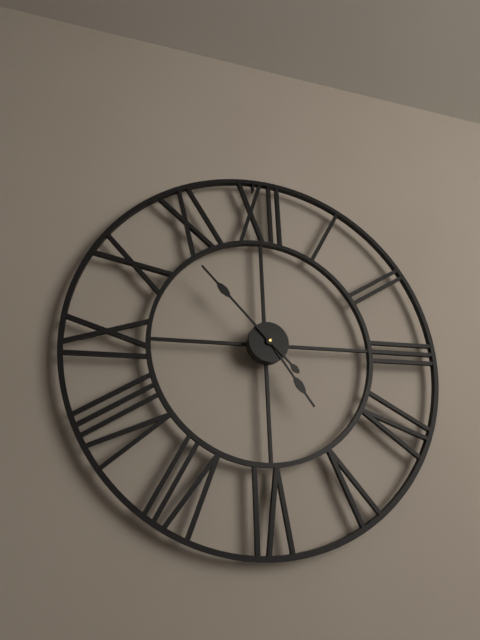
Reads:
h=4 m=53
